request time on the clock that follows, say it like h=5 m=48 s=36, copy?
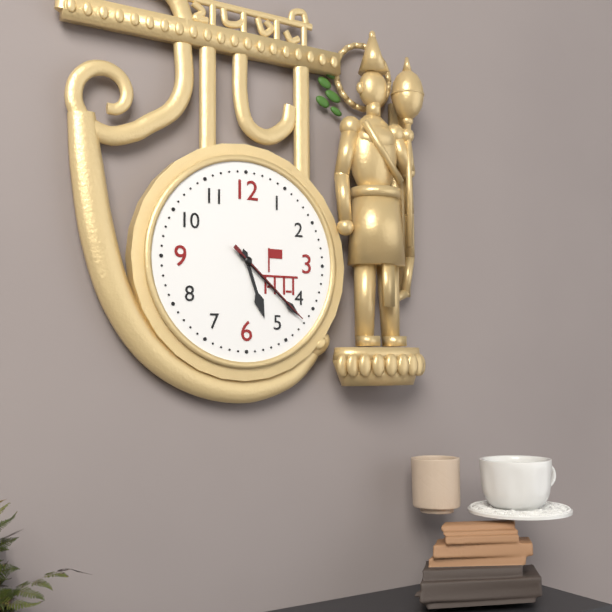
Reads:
h=5 m=22 s=22
